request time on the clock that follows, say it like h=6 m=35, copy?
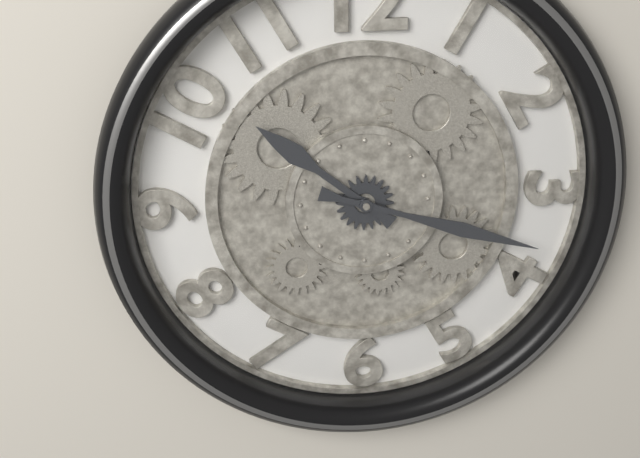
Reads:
h=10 m=18
